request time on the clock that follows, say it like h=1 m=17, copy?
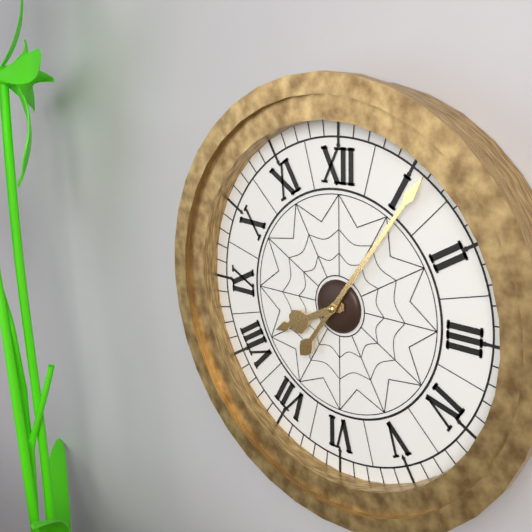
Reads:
h=8 m=6
